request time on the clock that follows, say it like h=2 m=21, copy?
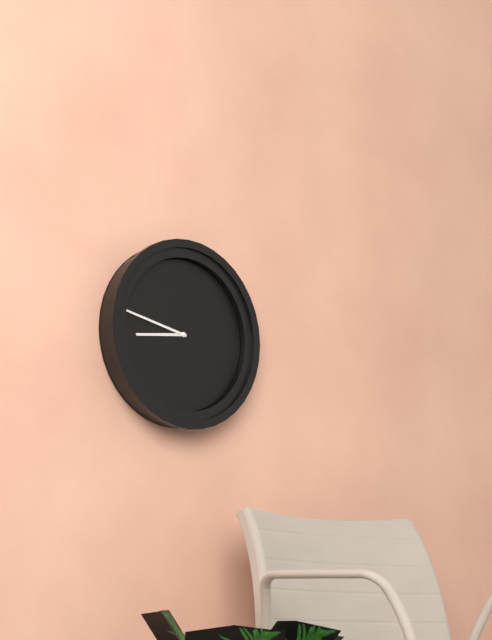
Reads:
h=8 m=47
